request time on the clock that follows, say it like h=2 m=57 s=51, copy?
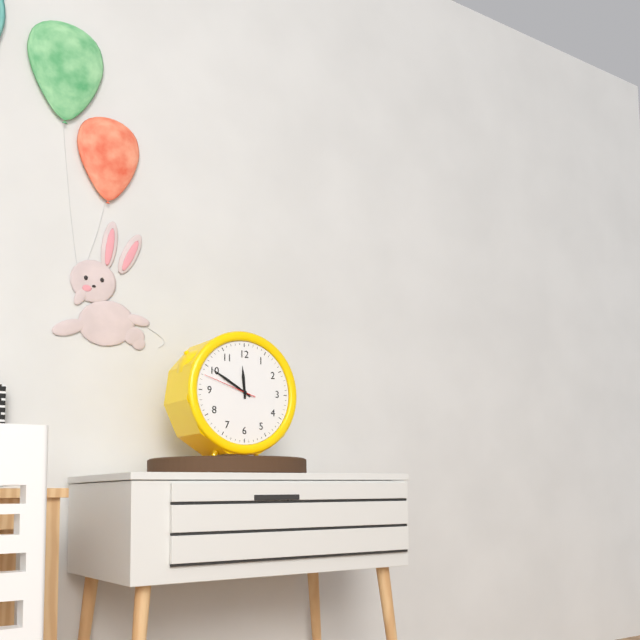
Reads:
h=11 m=50 s=48
